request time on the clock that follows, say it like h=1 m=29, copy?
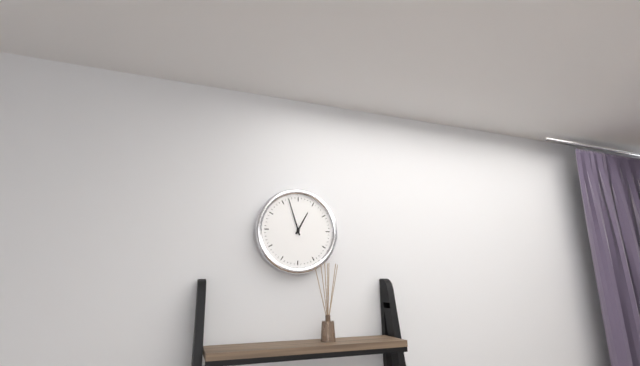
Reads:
h=12 m=57
